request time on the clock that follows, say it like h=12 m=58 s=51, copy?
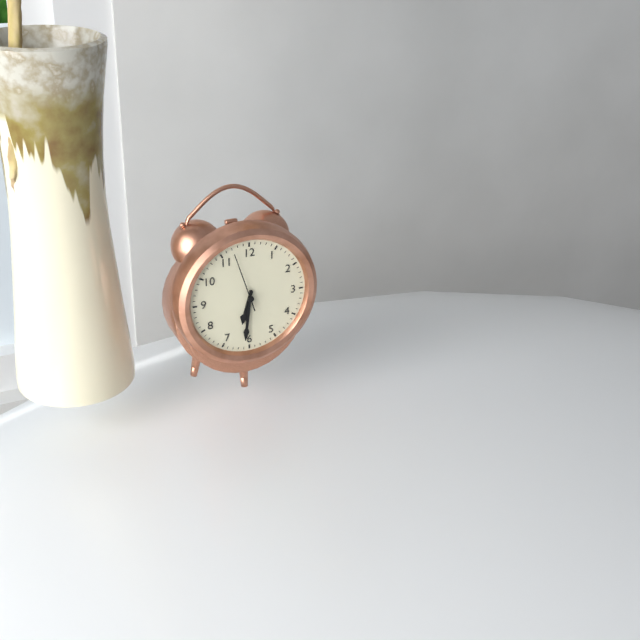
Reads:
h=6 m=31 s=57
